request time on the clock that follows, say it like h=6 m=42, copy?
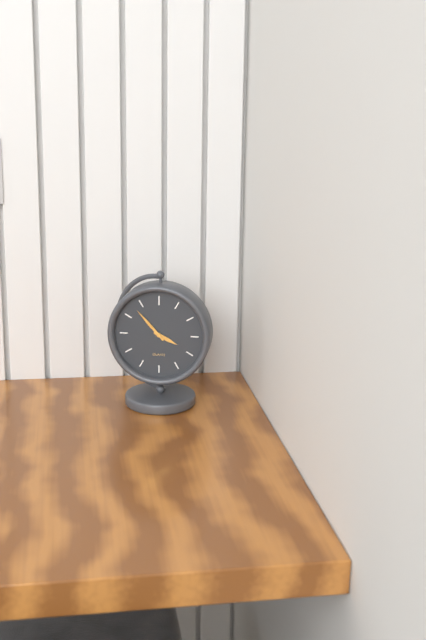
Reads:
h=3 m=53
